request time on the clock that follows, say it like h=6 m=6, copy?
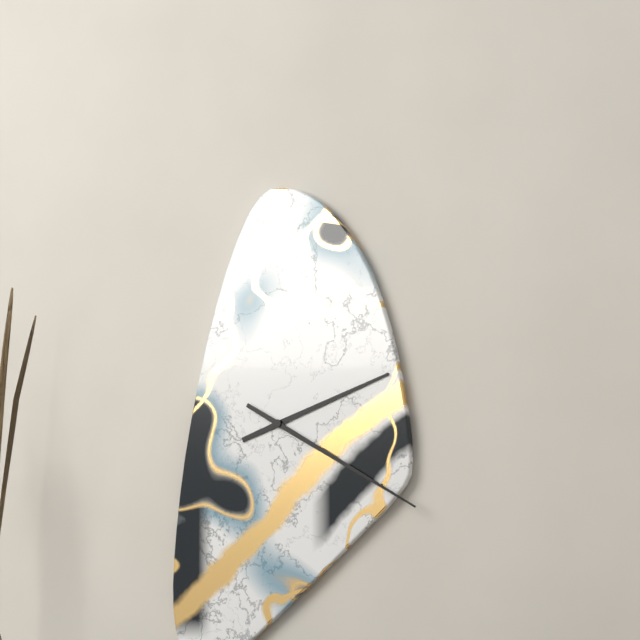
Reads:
h=2 m=20
